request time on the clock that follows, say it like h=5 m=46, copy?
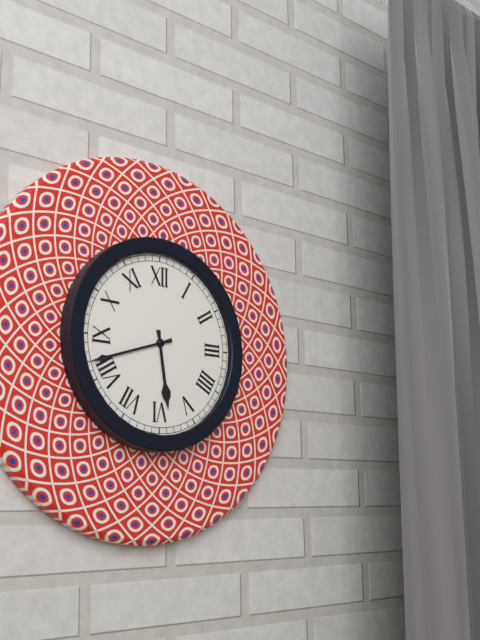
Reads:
h=5 m=42
